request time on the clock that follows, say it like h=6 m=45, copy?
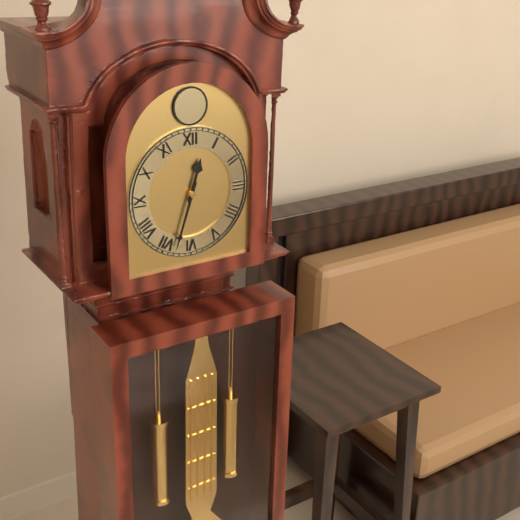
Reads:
h=12 m=33
